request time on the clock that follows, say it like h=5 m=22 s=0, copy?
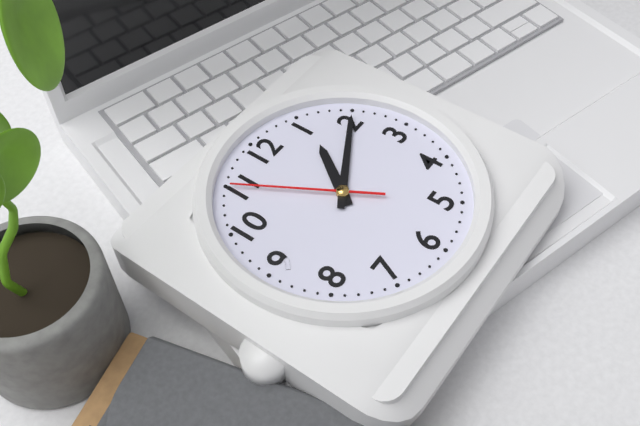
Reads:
h=1 m=10 s=55
